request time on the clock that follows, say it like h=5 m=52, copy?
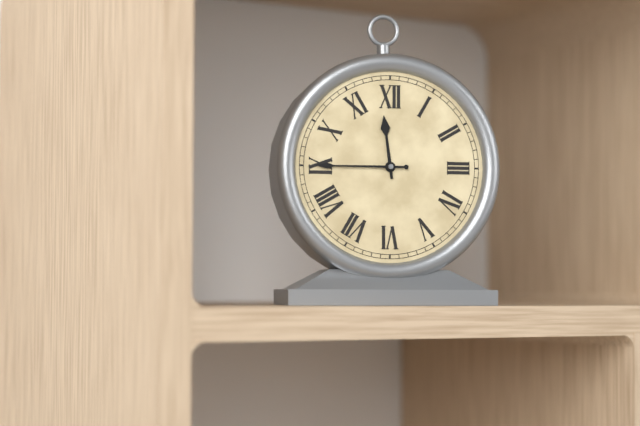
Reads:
h=11 m=45
